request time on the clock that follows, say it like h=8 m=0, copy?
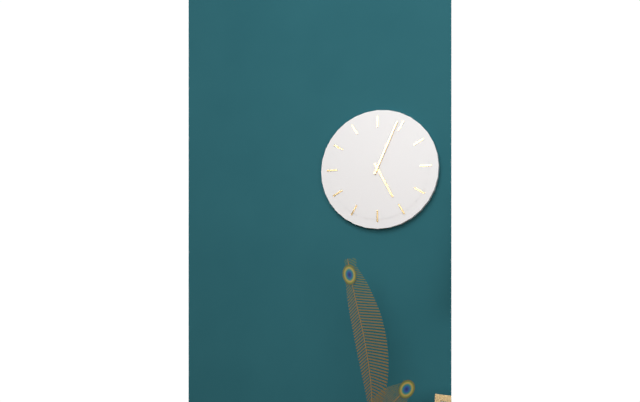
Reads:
h=5 m=4
